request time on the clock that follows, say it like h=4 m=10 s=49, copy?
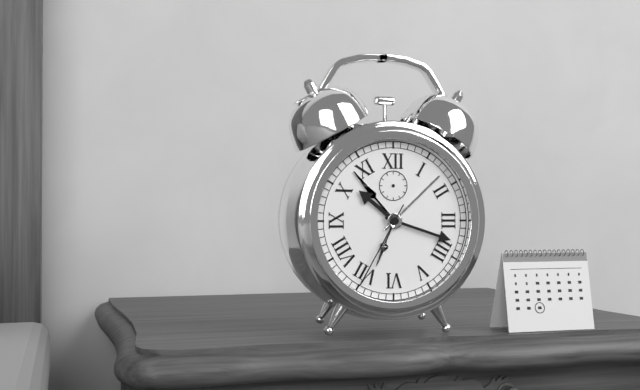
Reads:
h=10 m=18 s=35
